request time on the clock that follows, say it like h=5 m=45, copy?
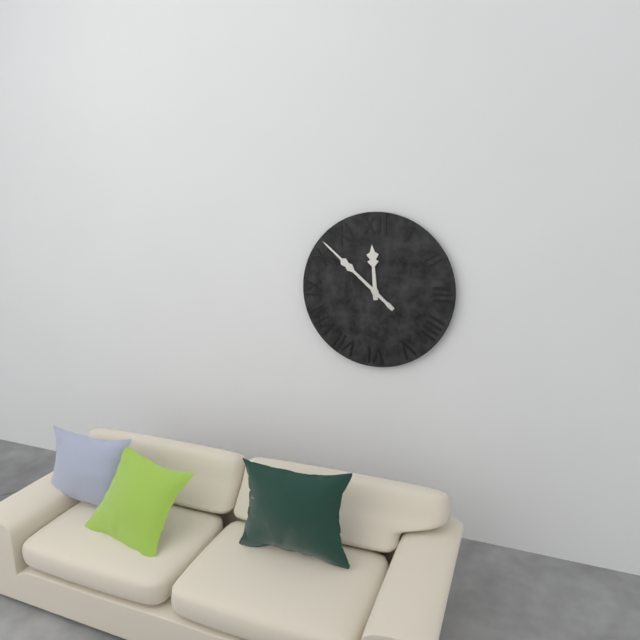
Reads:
h=11 m=52
